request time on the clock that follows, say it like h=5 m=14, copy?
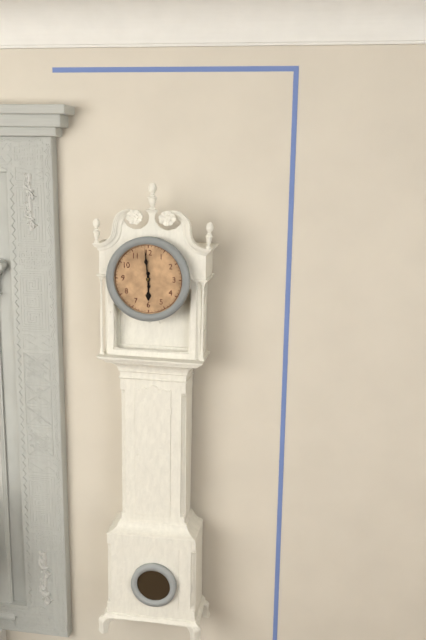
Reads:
h=5 m=59
